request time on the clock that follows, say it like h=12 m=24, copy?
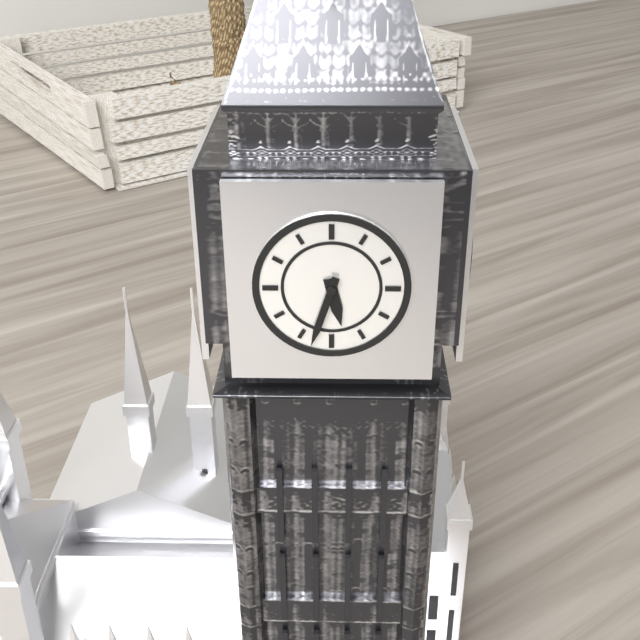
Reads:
h=5 m=33
